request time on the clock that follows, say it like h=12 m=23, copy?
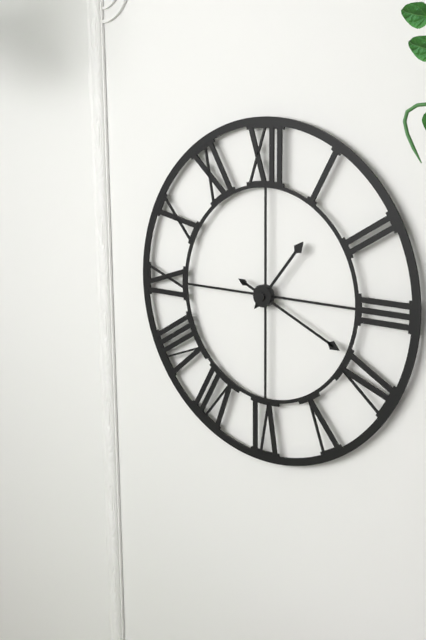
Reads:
h=1 m=19
